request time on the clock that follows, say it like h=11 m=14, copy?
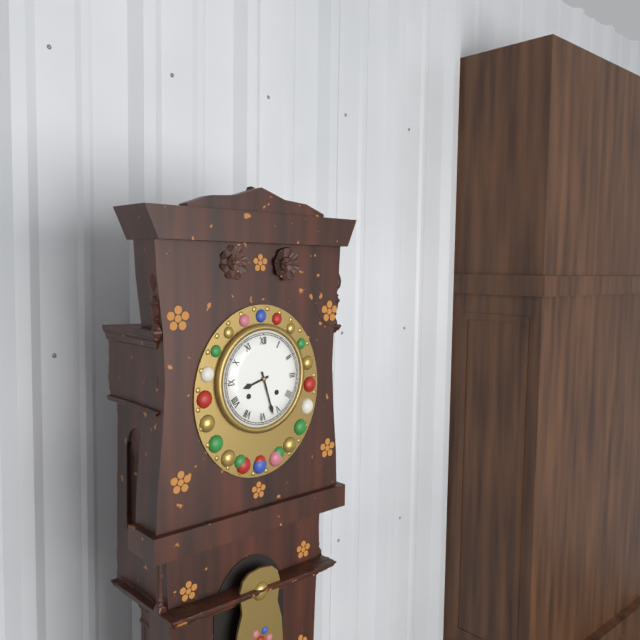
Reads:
h=8 m=27
